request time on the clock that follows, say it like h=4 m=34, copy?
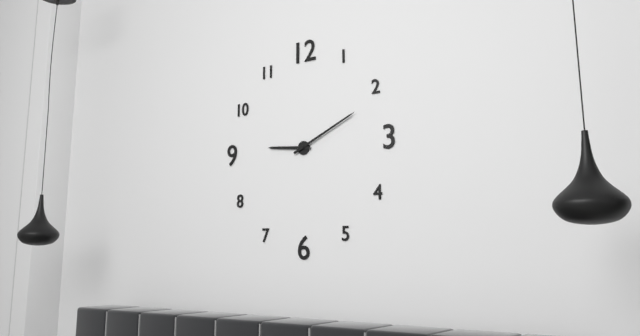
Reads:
h=9 m=11
